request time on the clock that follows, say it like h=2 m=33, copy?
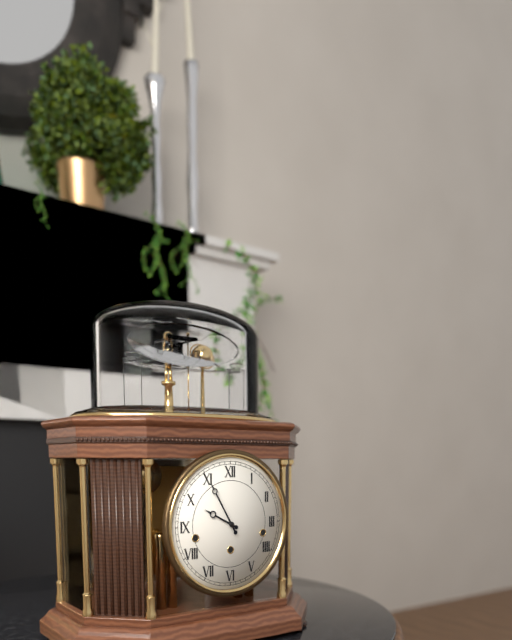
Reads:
h=9 m=55
